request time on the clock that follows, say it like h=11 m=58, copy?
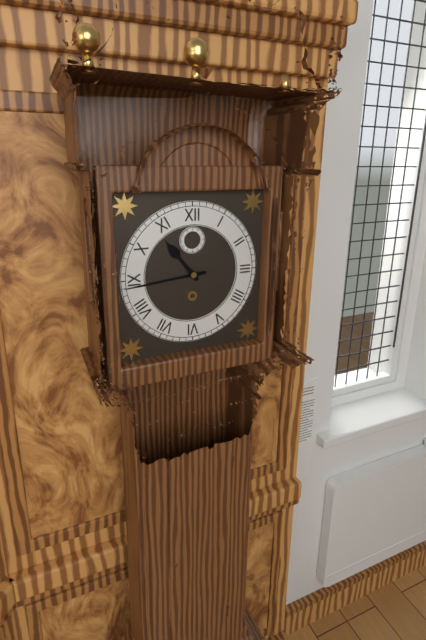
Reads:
h=10 m=44
